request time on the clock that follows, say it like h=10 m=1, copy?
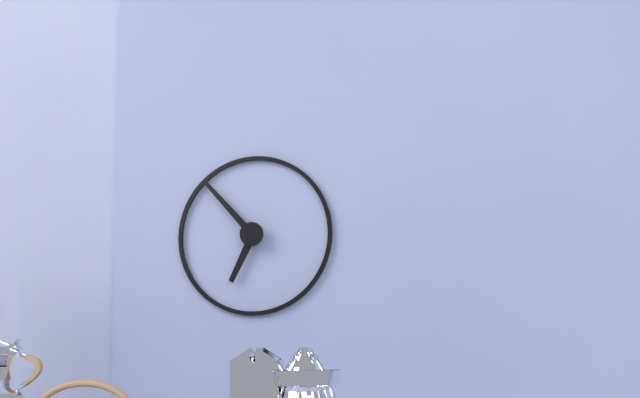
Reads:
h=6 m=53
